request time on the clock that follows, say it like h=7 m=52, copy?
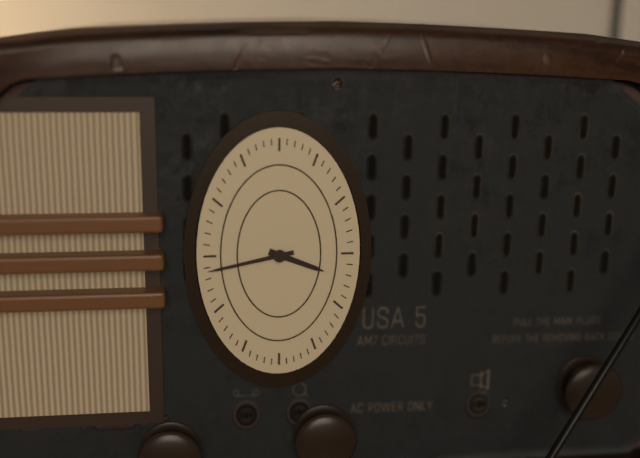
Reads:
h=3 m=43
